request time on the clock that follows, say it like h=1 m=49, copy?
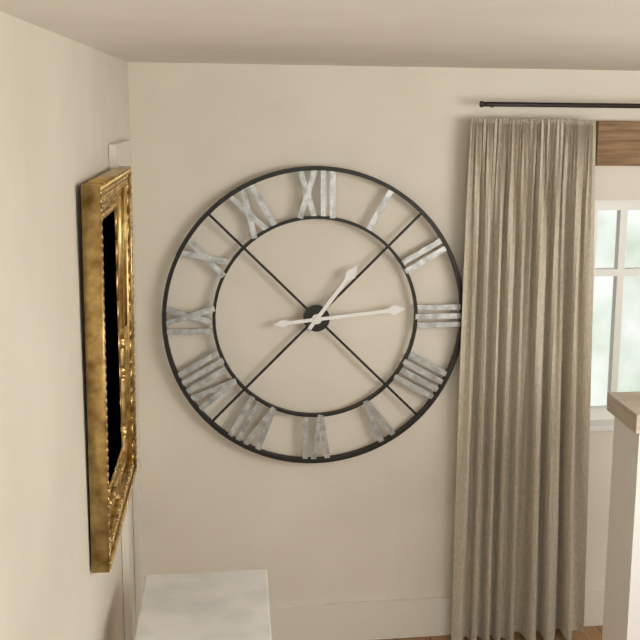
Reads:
h=1 m=14
